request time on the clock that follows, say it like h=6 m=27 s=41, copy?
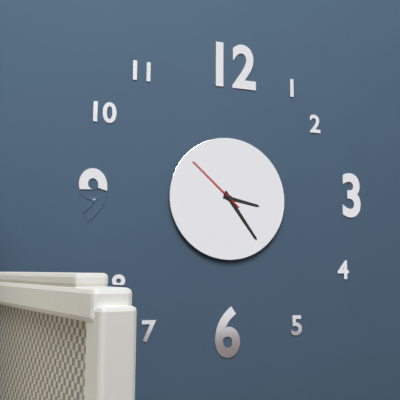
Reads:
h=3 m=24 s=52
